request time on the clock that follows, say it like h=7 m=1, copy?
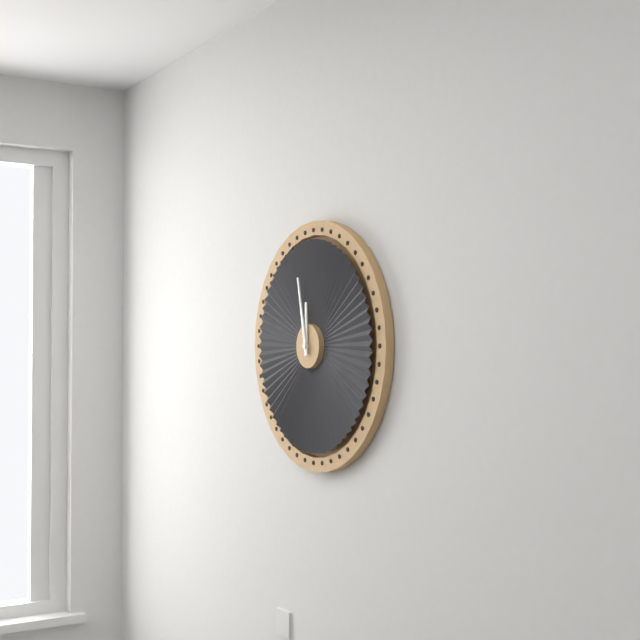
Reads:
h=11 m=58
